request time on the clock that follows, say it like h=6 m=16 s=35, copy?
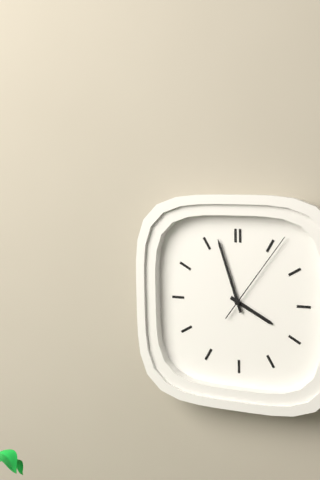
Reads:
h=3 m=57 s=6
